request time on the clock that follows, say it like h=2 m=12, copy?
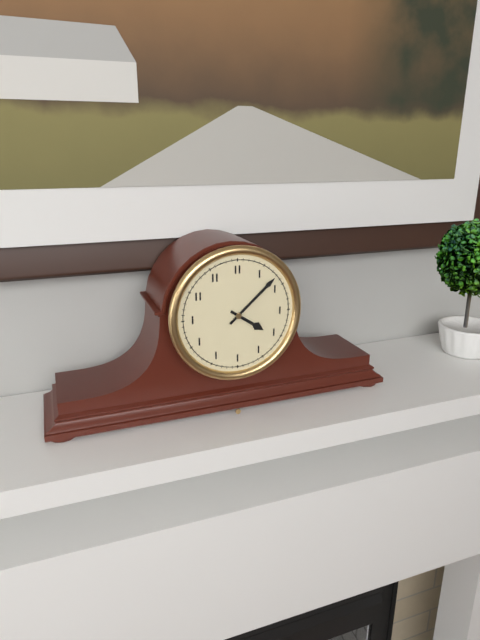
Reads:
h=4 m=8
